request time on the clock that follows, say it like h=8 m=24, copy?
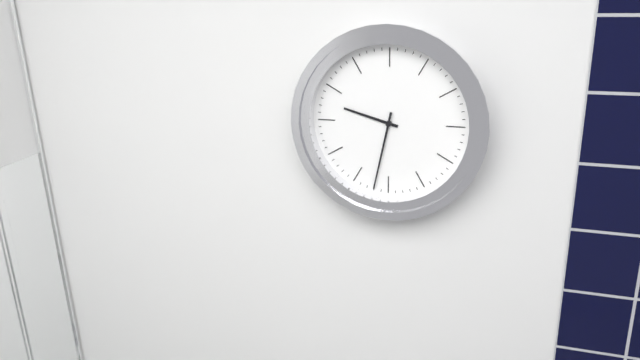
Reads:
h=9 m=32
